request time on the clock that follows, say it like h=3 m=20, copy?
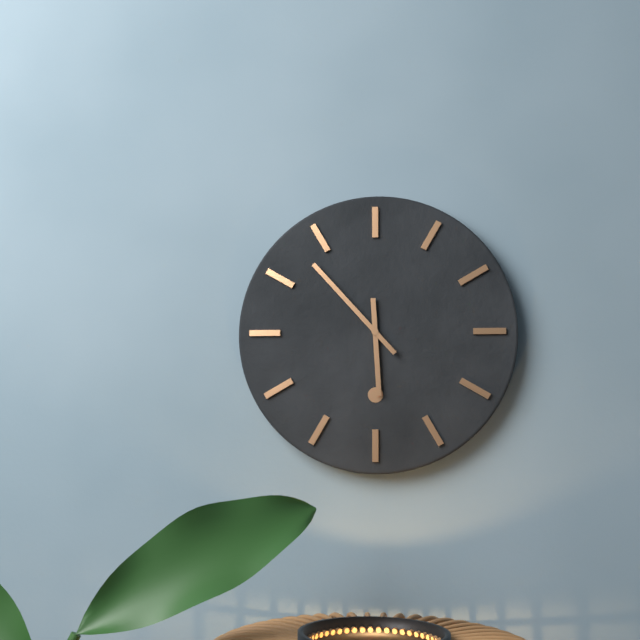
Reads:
h=5 m=53
